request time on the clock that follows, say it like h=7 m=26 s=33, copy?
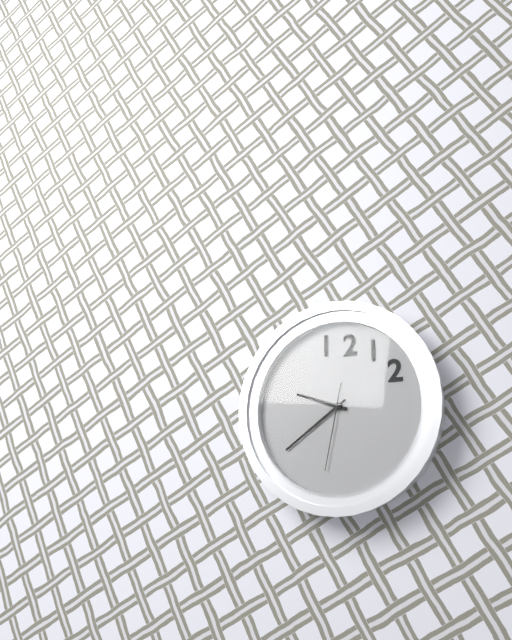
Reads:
h=9 m=39 s=32
